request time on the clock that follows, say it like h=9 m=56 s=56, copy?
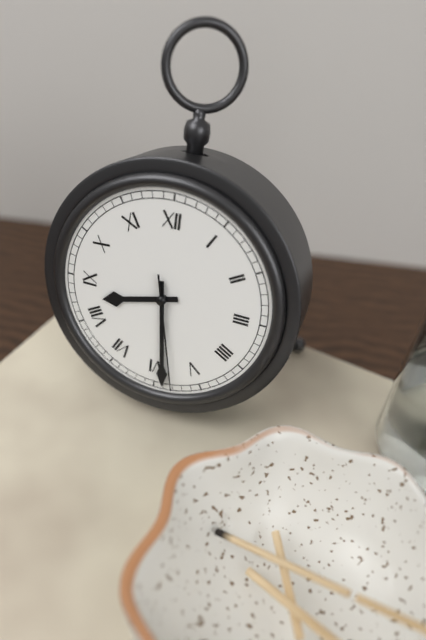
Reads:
h=8 m=29 s=28
